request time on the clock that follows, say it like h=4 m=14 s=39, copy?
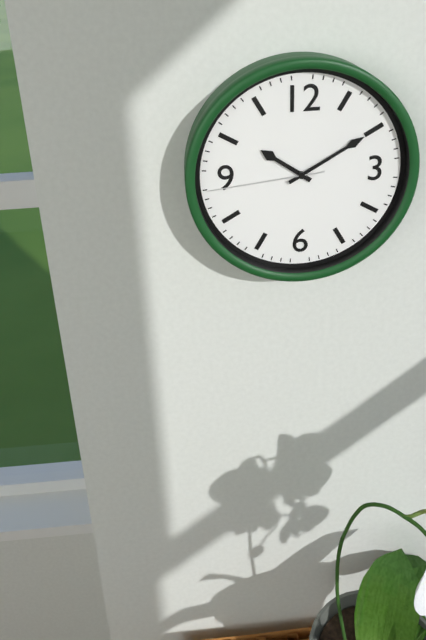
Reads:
h=10 m=10 s=44
